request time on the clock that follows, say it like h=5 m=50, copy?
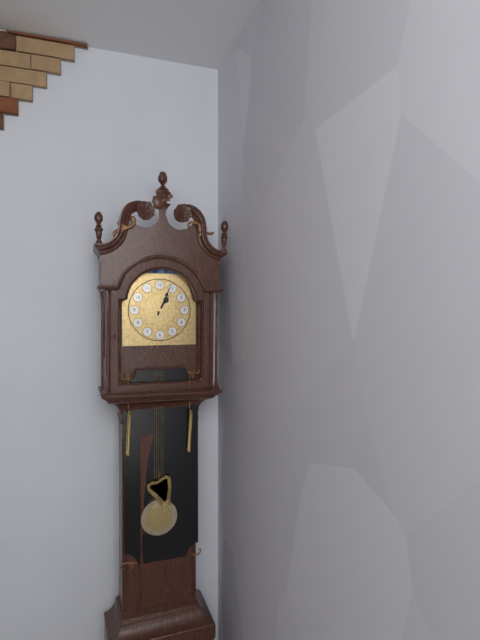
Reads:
h=1 m=4
